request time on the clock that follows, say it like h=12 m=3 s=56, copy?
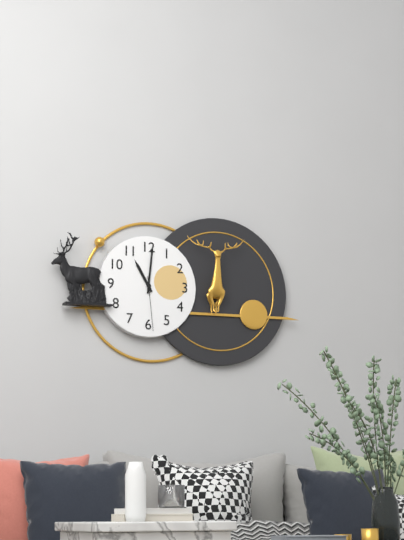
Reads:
h=11 m=1 s=29
